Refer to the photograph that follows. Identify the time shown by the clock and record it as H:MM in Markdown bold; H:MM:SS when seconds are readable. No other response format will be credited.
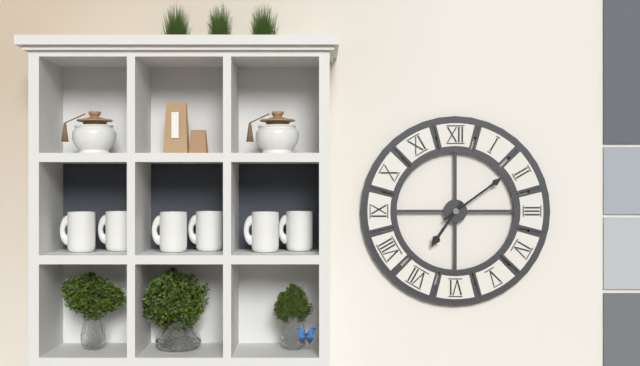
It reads **7:09**
